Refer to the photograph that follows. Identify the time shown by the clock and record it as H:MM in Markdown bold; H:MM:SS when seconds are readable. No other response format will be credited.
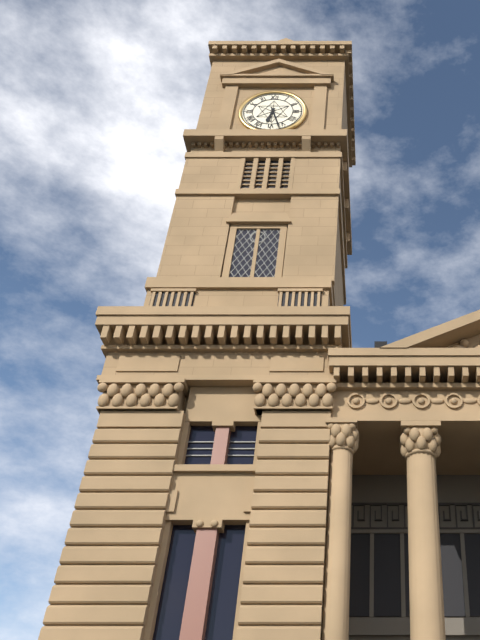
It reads **6:27**
